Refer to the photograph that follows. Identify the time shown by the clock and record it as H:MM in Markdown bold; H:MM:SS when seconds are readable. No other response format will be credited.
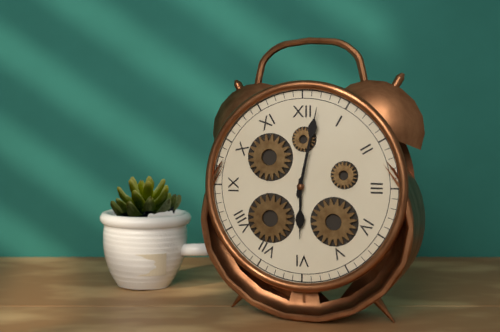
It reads **6:02**
